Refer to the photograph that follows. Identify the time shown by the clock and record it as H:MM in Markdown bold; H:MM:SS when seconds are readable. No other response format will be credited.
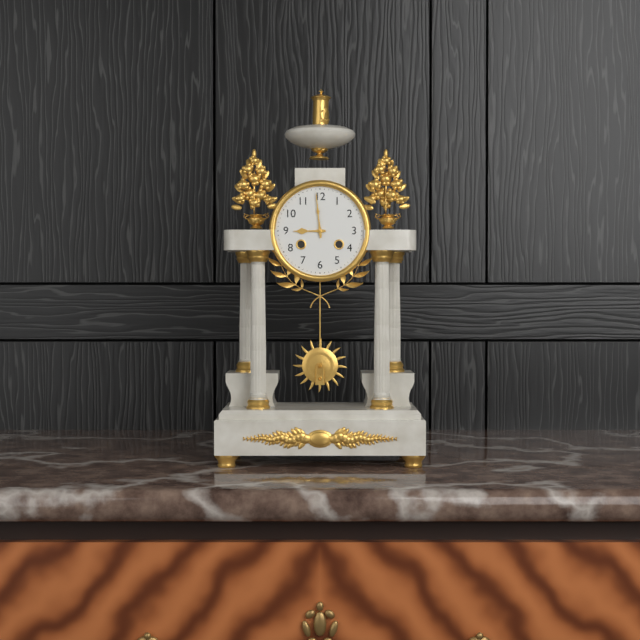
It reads **8:59**
